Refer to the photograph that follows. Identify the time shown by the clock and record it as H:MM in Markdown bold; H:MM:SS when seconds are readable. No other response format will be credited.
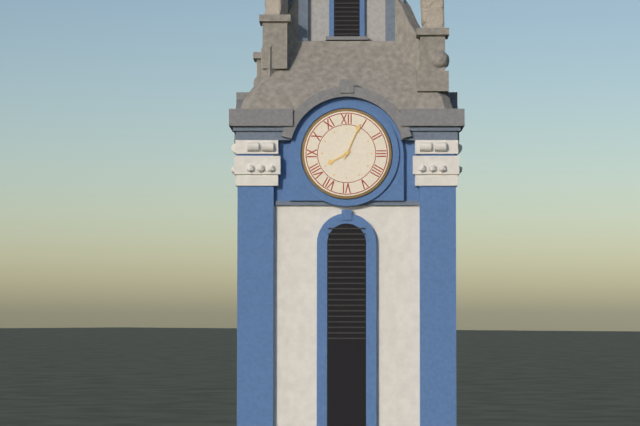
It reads **8:04**
